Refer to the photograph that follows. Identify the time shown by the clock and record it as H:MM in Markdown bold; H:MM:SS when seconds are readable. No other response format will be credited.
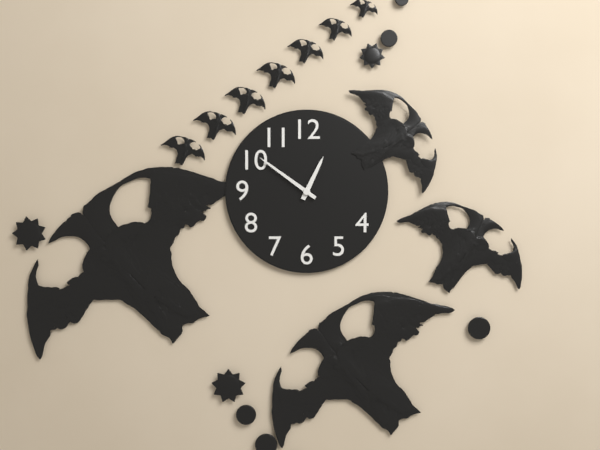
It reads **12:51**
